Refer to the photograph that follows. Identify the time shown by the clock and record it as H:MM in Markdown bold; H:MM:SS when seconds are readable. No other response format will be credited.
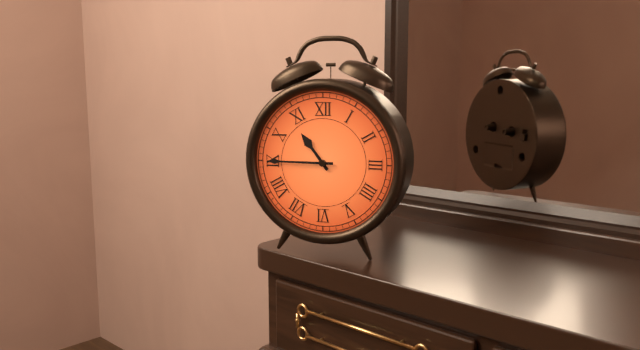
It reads **10:45**
